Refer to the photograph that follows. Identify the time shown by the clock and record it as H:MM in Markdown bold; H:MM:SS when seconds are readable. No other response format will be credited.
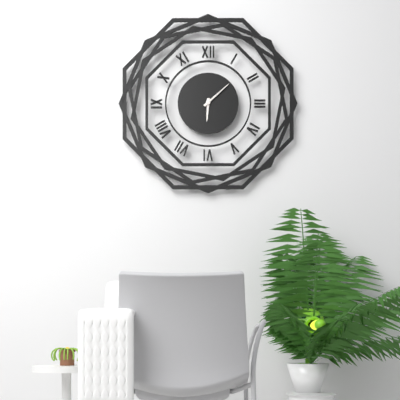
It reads **6:08**
